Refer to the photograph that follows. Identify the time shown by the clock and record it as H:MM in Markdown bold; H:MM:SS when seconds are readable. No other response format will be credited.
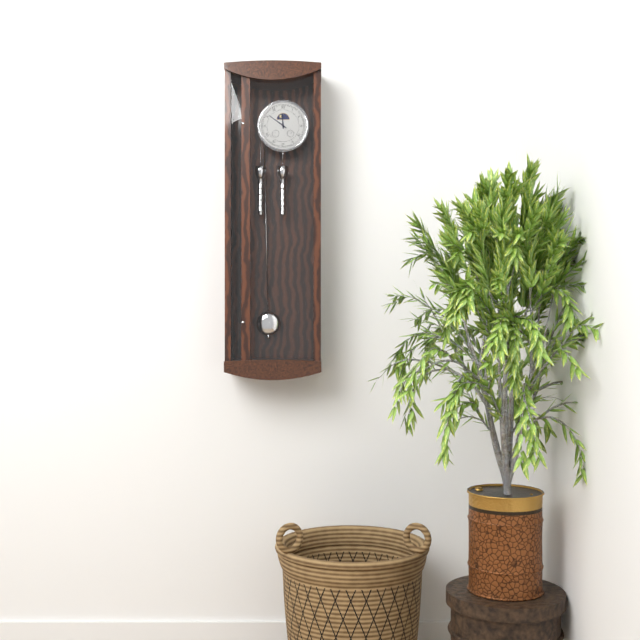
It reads **11:51**
